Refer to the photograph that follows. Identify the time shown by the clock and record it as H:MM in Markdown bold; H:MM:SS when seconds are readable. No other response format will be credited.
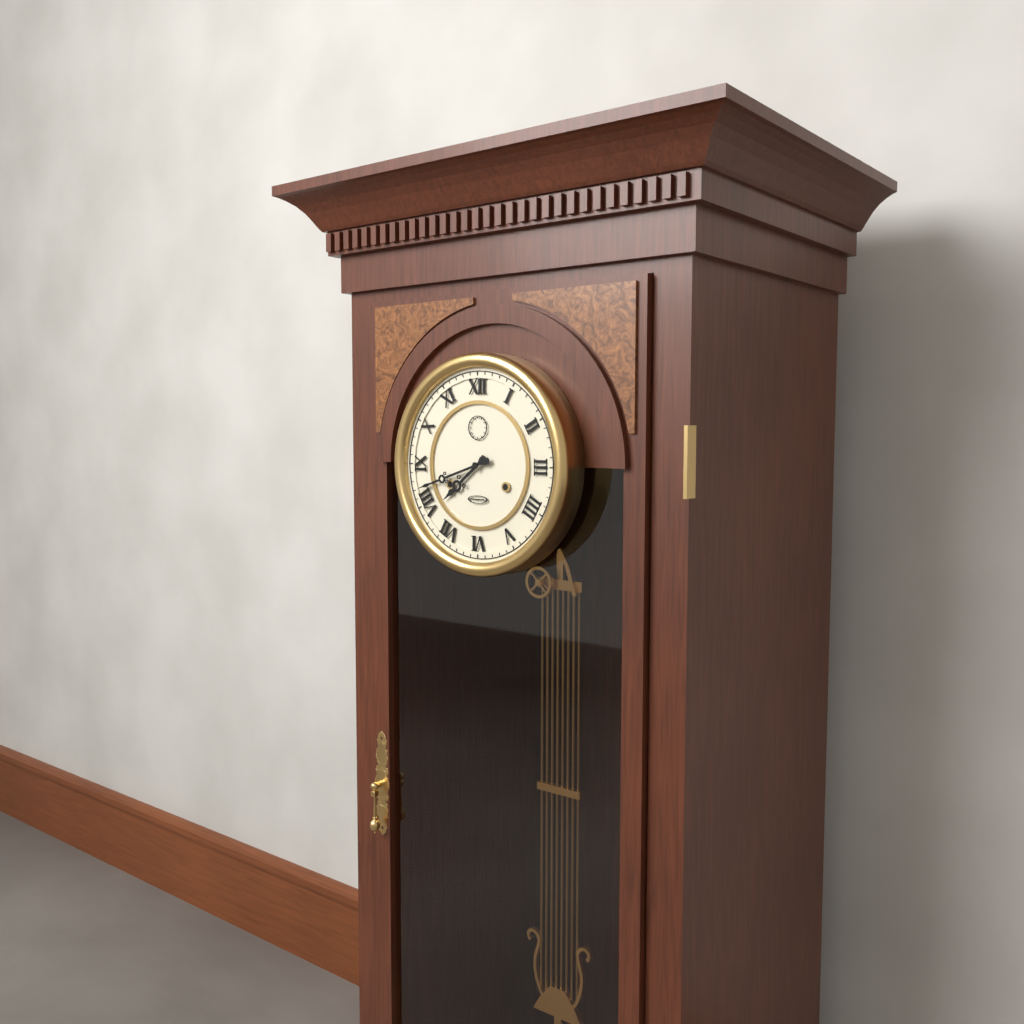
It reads **7:42**
